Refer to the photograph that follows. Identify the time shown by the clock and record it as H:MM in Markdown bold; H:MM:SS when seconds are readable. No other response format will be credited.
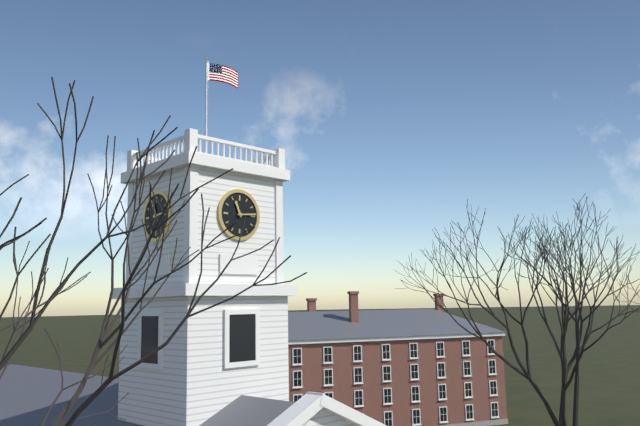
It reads **11:14**
